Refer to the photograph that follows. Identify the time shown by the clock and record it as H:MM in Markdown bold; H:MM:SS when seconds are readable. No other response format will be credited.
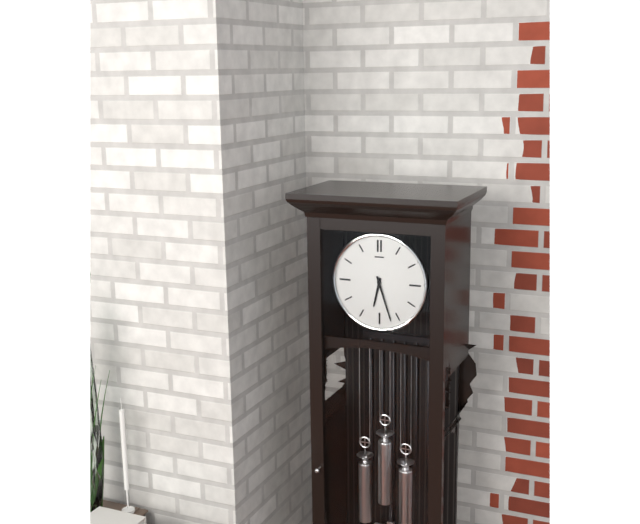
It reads **6:27**
